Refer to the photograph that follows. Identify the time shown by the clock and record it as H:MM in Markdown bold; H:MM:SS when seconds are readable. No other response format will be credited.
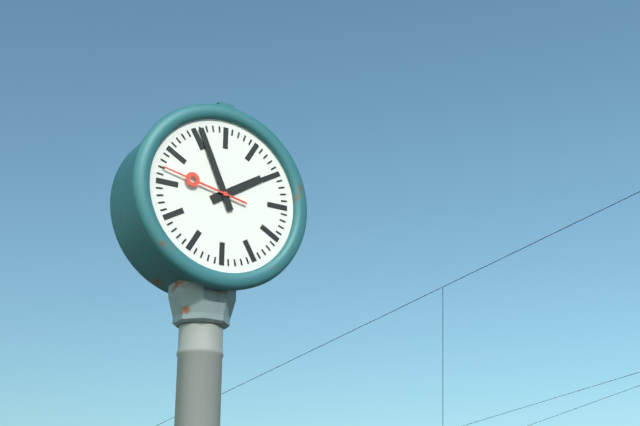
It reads **1:56:47**
